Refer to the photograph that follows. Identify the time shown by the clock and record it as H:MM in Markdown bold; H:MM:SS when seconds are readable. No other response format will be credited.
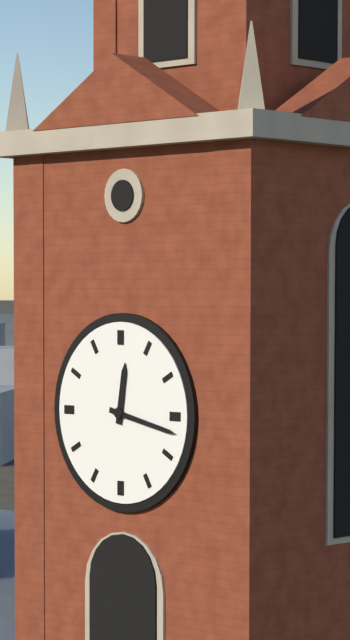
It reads **12:17**
